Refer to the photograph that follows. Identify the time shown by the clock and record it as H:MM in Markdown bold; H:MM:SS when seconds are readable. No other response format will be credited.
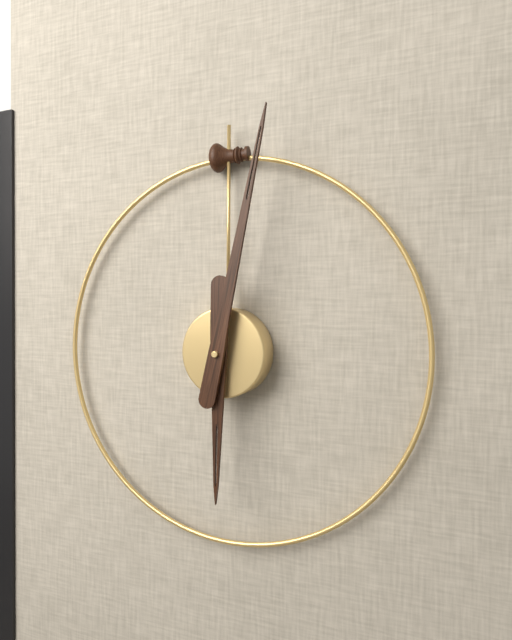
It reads **6:02**
